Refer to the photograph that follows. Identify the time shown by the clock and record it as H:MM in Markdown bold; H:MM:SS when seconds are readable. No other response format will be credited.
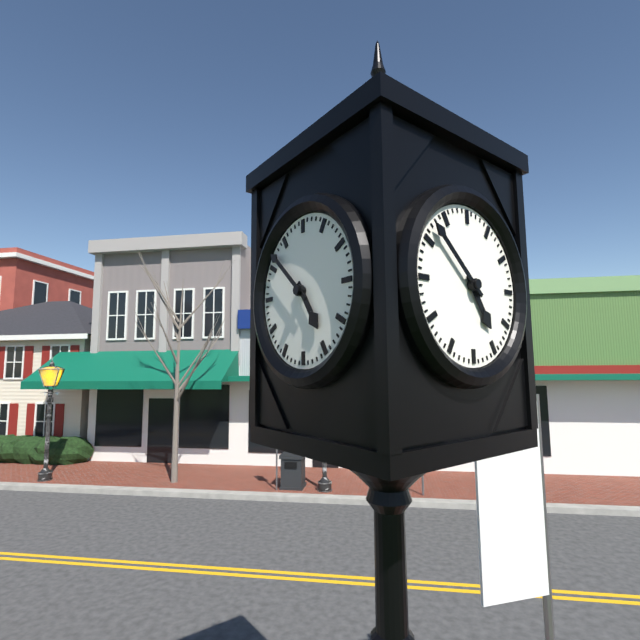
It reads **4:52**
